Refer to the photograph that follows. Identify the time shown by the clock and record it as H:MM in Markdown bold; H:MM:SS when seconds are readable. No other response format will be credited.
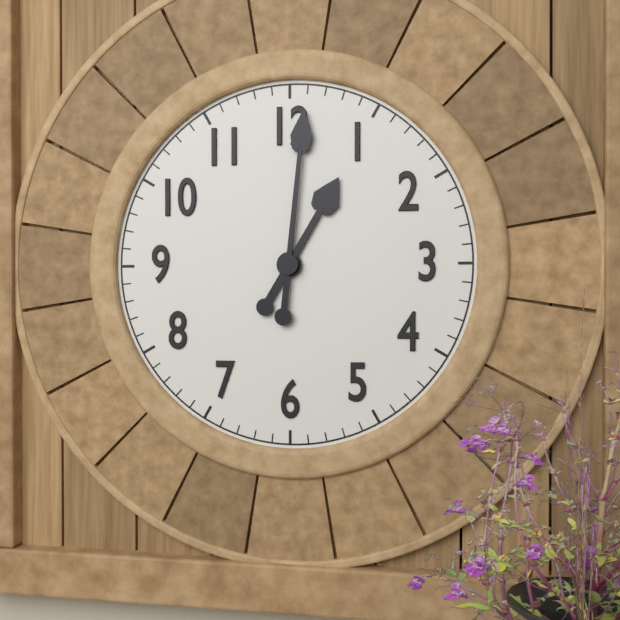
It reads **1:01**
